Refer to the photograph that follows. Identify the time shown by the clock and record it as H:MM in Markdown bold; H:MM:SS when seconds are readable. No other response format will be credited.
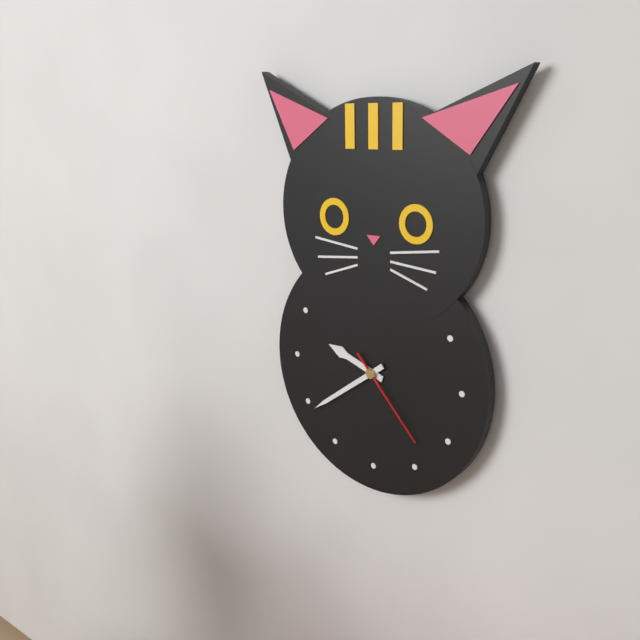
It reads **9:39:23**
